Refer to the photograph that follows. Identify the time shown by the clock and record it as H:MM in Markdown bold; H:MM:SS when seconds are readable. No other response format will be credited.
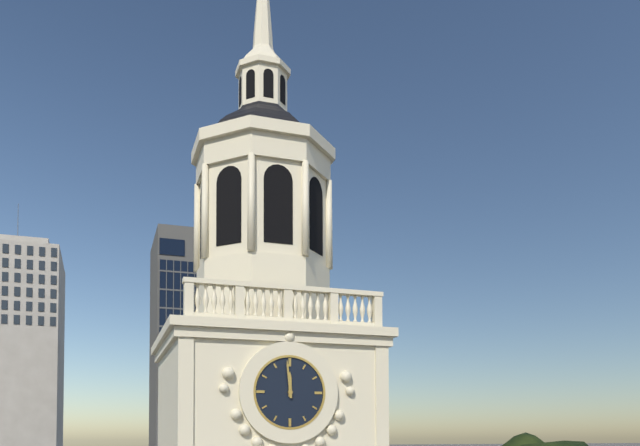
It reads **11:59**
